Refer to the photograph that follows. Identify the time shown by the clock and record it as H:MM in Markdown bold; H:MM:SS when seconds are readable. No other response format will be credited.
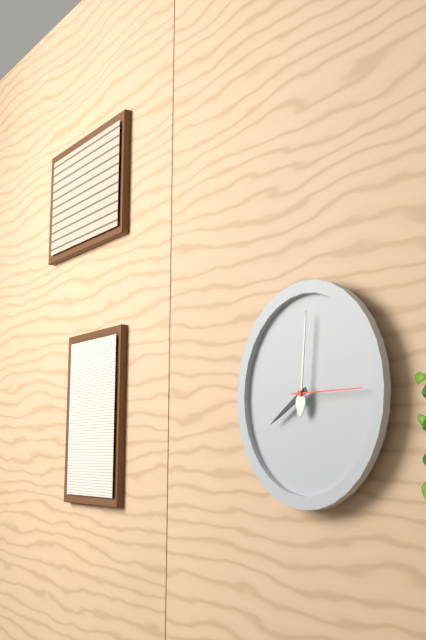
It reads **8:01:15**
